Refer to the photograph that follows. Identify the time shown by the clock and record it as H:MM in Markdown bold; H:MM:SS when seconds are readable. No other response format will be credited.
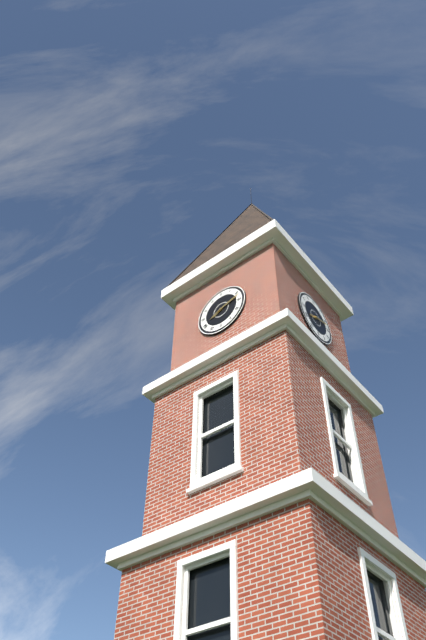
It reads **8:12**
